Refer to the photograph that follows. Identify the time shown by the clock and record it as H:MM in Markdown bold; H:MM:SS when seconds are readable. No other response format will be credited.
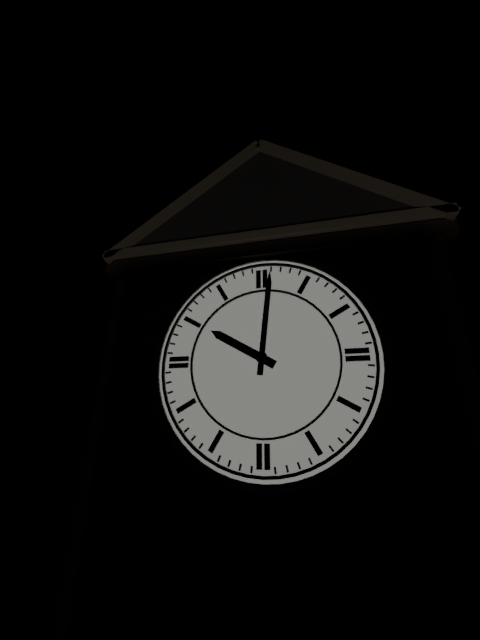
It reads **10:01**
